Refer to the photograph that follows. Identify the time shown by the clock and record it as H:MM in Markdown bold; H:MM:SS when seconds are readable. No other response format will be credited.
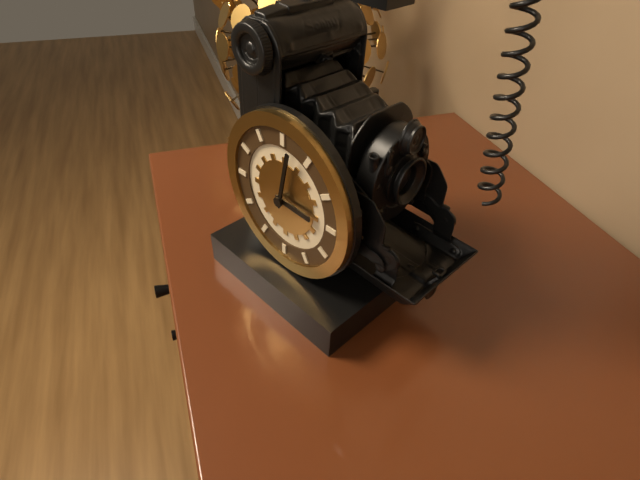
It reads **3:02**
